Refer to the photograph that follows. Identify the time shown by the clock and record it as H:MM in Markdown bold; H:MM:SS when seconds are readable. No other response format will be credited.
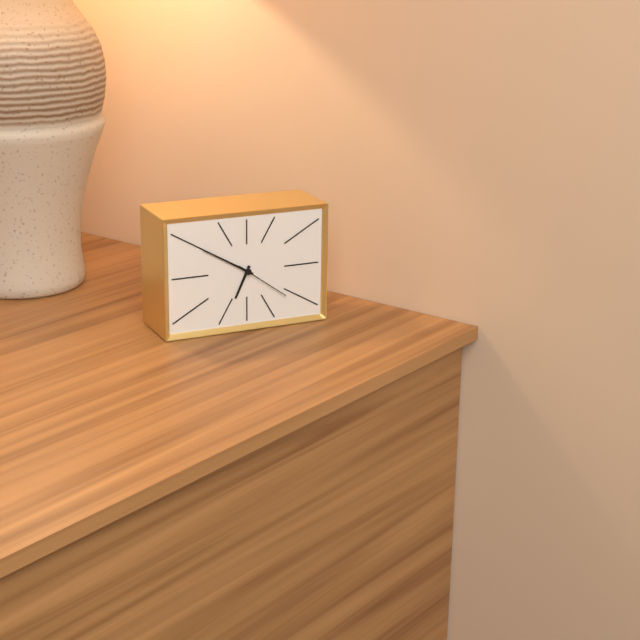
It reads **6:50:21**
